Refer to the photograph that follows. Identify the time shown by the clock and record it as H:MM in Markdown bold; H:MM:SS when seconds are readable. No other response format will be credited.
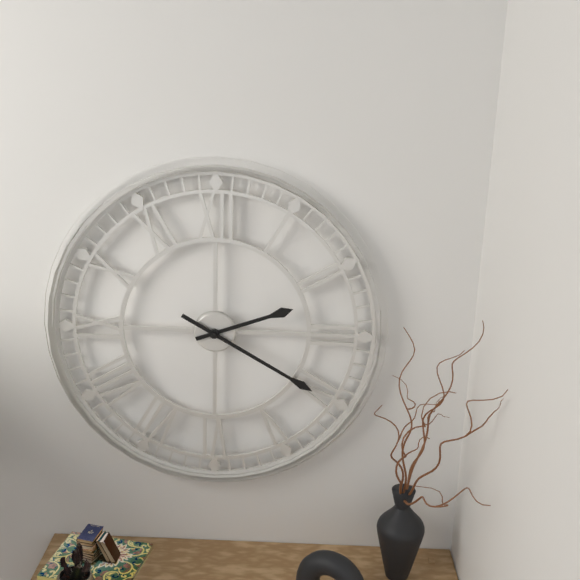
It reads **2:20**
